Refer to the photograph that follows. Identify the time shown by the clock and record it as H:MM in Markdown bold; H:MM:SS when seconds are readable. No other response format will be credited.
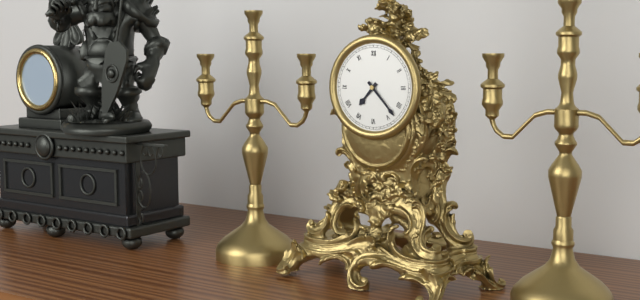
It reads **7:23**
